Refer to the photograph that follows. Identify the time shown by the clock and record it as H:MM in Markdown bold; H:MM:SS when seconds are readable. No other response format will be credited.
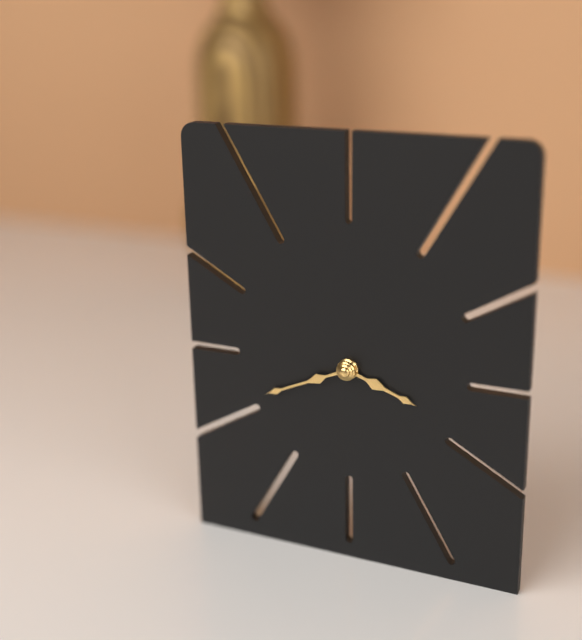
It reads **3:41**
